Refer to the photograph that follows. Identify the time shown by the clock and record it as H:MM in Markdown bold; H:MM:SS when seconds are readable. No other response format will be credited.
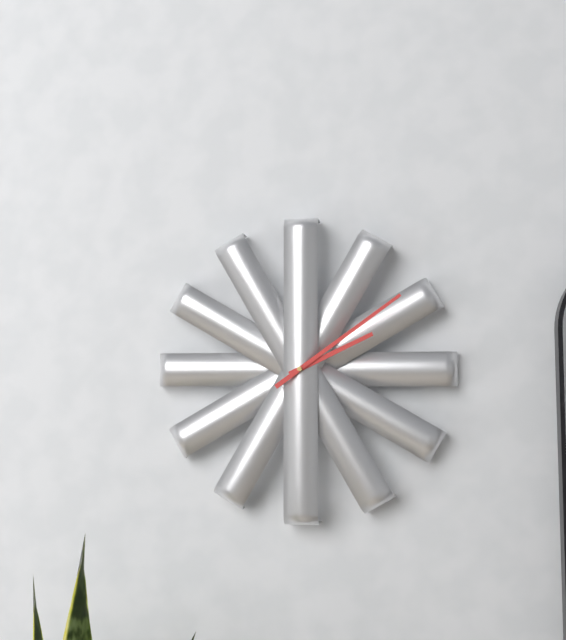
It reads **2:09**
